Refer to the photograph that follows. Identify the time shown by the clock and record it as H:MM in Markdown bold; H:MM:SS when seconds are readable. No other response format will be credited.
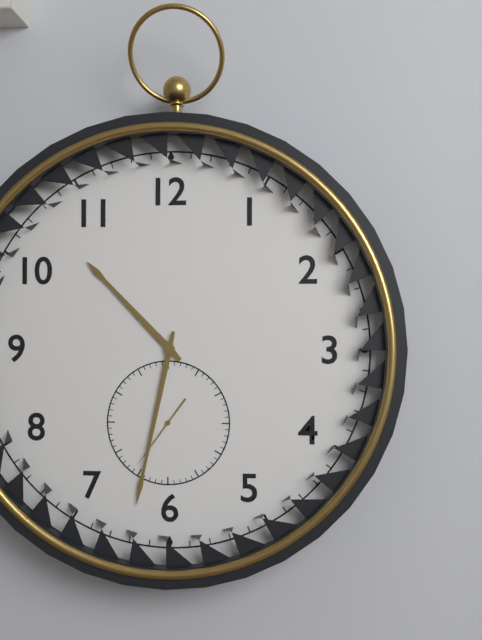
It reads **10:32:36**
